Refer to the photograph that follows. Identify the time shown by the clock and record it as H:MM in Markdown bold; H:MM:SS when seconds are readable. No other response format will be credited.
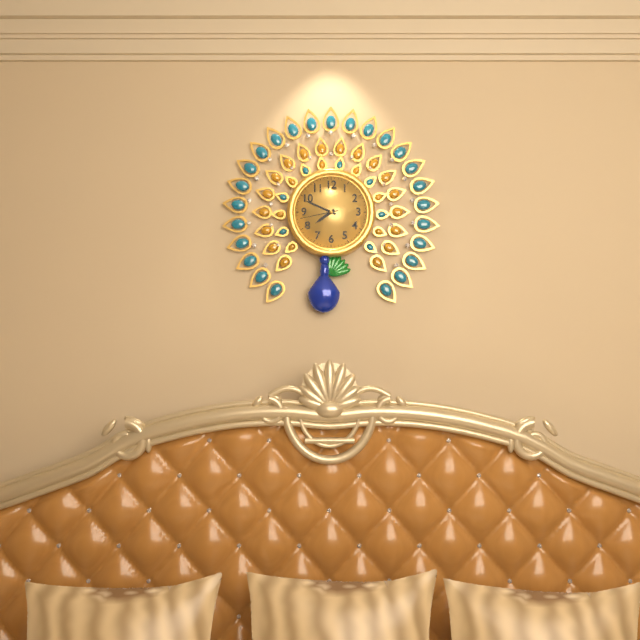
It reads **7:49**
